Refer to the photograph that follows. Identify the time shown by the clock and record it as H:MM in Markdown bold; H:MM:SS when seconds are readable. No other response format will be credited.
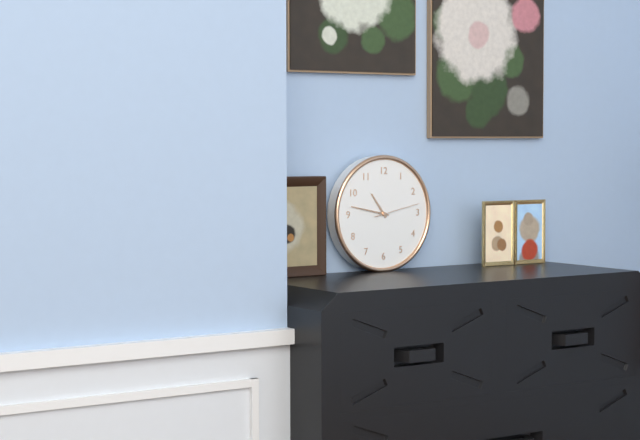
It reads **10:47**
